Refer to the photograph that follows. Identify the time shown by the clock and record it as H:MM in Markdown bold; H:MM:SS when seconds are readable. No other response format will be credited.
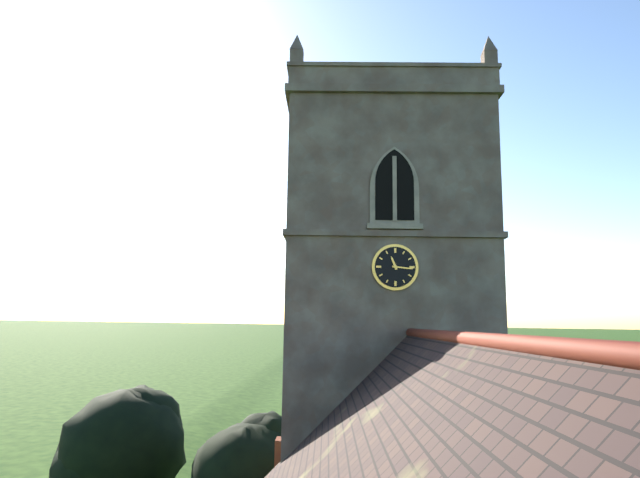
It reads **11:16**
